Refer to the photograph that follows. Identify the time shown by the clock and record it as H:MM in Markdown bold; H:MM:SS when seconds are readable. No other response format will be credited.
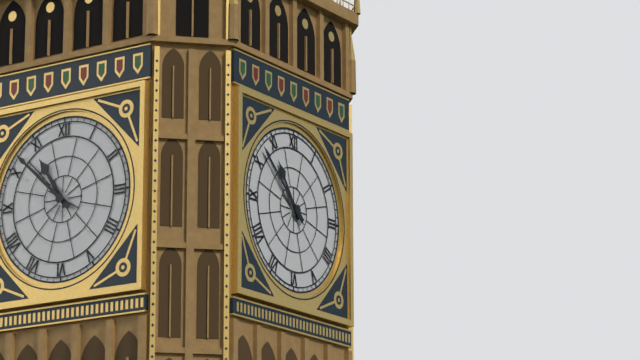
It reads **10:52**
